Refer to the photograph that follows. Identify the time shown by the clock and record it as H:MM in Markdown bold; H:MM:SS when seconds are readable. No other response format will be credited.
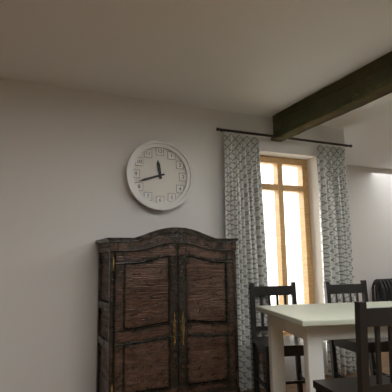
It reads **11:42**
